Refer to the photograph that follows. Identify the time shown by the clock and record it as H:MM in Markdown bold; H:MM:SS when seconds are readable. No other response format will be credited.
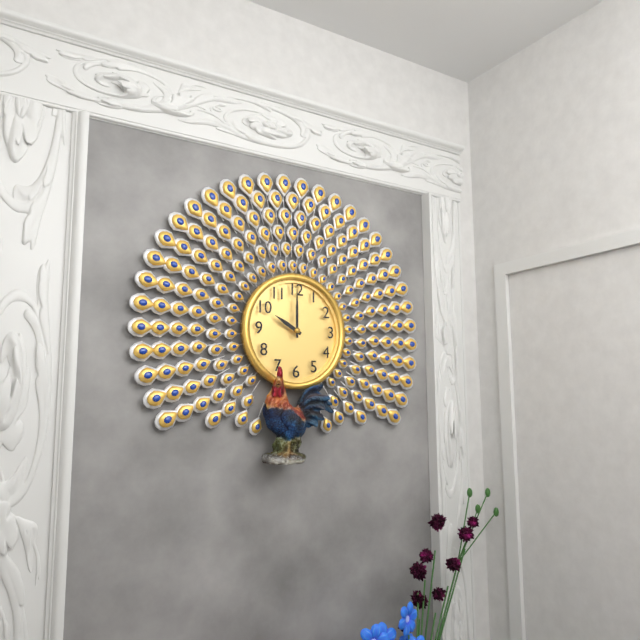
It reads **10:00**
